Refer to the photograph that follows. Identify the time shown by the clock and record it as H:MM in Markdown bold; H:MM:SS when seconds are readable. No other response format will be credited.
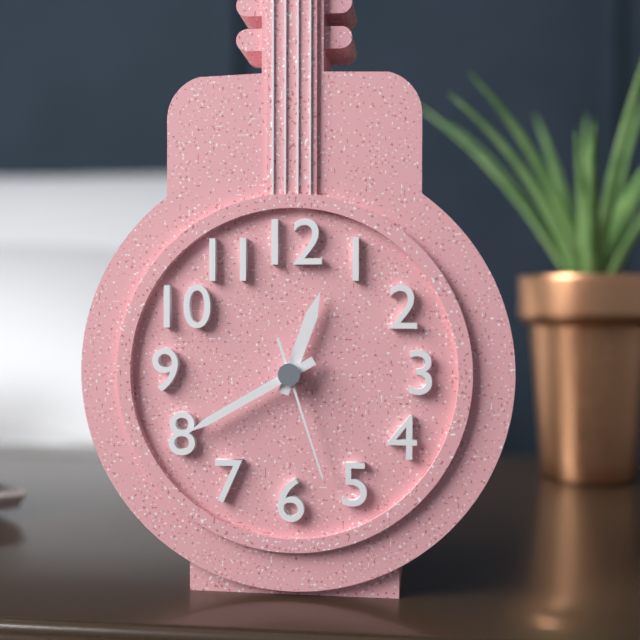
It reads **12:40:27**
